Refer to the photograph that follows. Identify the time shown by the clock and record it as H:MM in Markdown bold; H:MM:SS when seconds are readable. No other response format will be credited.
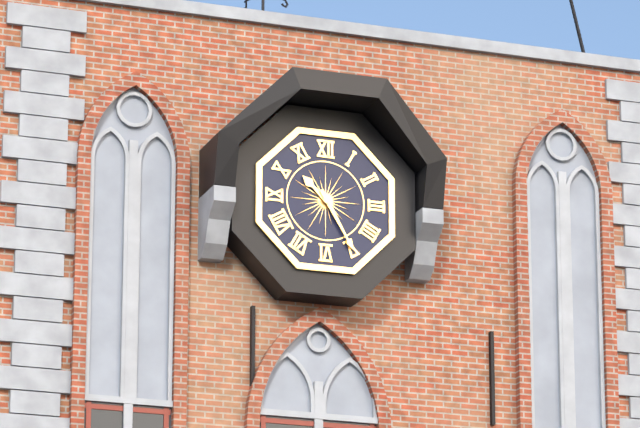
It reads **10:25**
